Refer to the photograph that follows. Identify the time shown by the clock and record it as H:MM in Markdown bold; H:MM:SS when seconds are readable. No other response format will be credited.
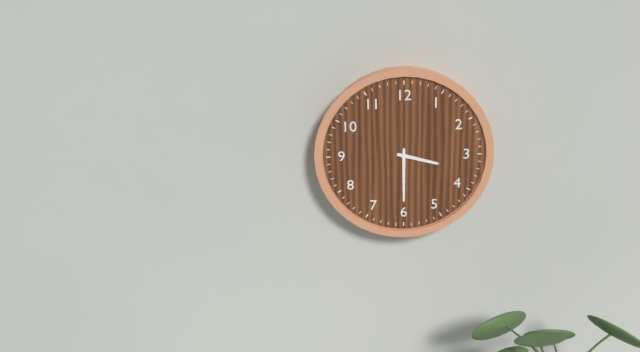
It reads **3:30**
